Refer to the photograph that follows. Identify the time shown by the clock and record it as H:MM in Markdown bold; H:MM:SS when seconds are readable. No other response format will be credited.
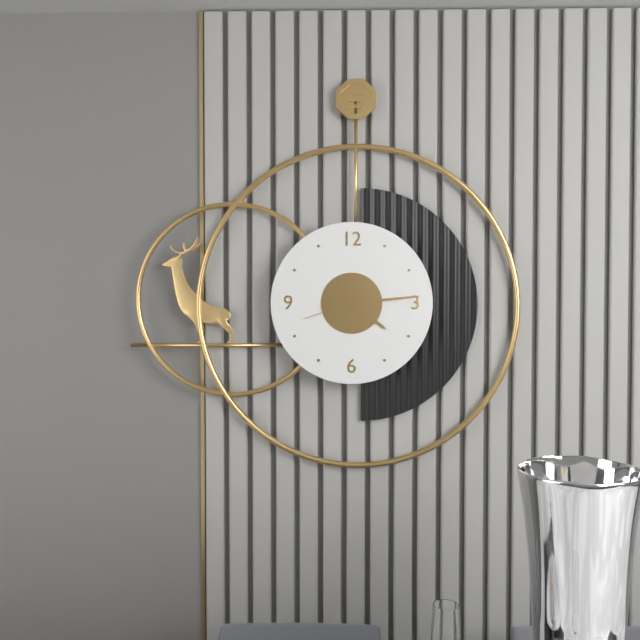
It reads **4:14:42**
